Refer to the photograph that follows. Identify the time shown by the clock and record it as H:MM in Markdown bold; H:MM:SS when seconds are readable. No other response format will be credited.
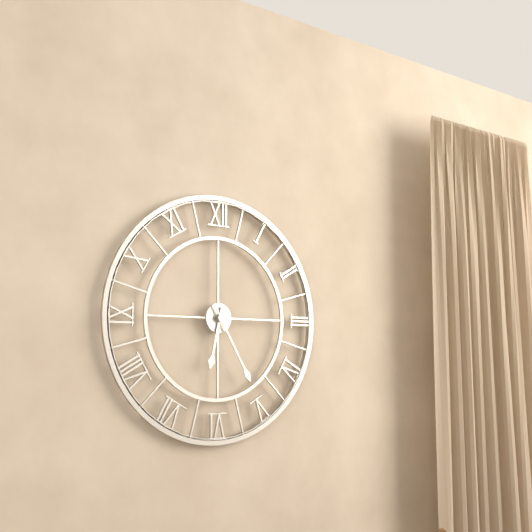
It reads **6:25**
